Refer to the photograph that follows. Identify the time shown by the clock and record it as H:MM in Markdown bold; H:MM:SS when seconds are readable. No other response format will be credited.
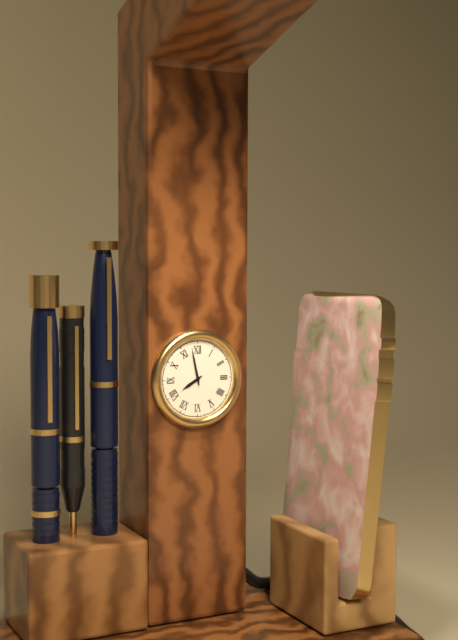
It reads **7:58**
